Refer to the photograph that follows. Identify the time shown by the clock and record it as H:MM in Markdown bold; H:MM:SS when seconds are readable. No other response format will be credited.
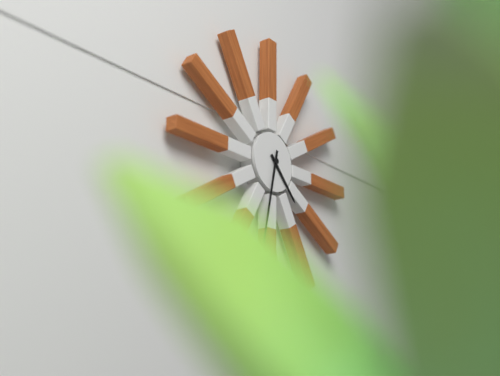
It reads **4:32**
